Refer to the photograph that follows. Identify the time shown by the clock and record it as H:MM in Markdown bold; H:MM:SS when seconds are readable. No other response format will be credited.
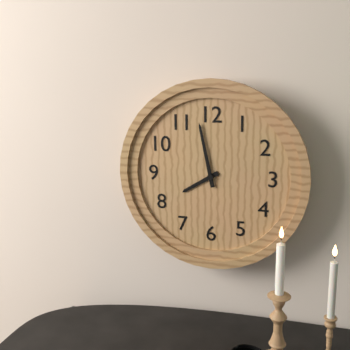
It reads **7:58**
